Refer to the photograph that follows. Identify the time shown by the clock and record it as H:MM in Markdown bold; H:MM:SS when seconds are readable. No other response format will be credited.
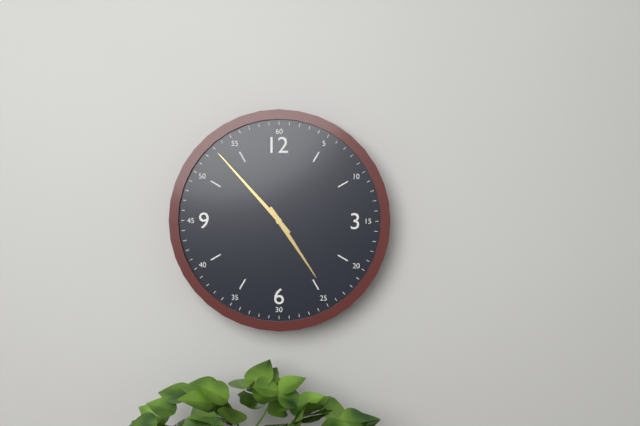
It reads **4:53**
